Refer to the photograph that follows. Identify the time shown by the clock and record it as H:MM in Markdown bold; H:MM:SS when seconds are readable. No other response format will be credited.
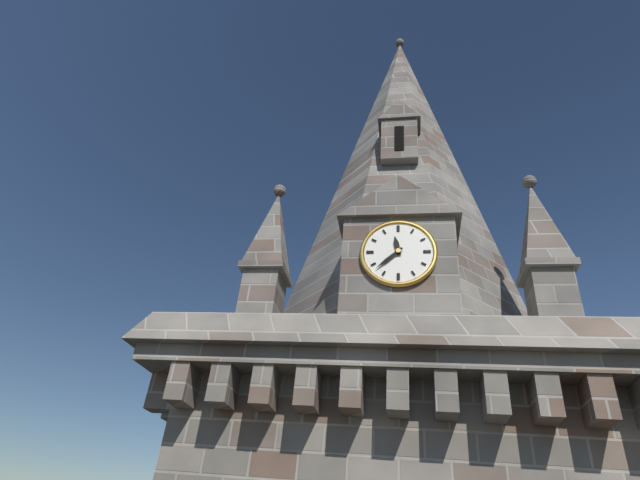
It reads **11:38**
